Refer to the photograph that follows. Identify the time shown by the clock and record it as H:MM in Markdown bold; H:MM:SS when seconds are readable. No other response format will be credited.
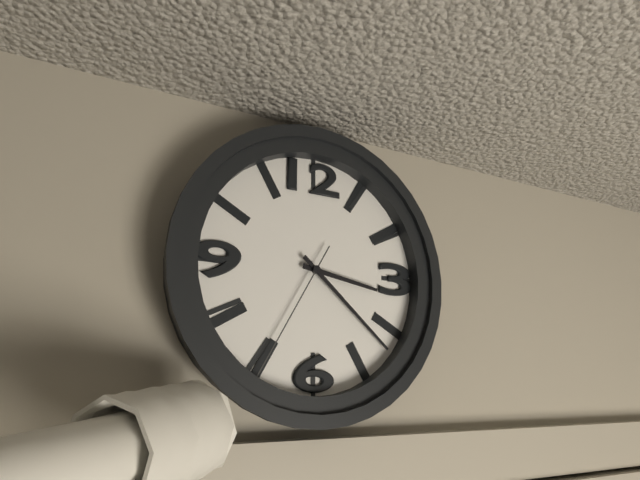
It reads **3:22:35**
